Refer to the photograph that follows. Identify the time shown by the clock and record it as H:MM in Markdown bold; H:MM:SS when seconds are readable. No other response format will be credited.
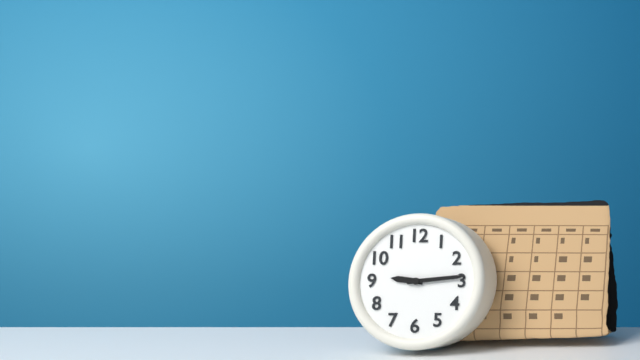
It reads **9:14**
